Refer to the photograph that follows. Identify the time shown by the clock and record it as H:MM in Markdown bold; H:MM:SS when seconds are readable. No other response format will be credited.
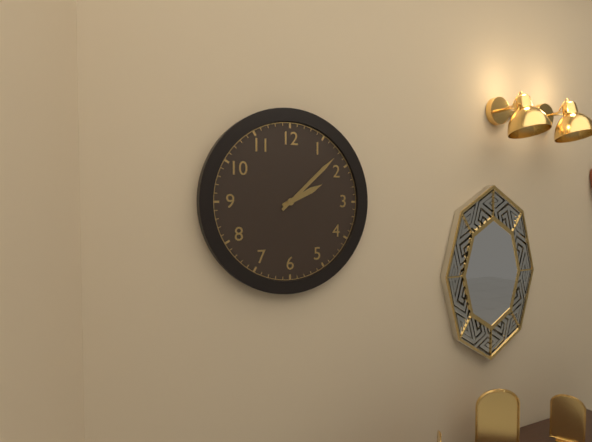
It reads **2:08**
